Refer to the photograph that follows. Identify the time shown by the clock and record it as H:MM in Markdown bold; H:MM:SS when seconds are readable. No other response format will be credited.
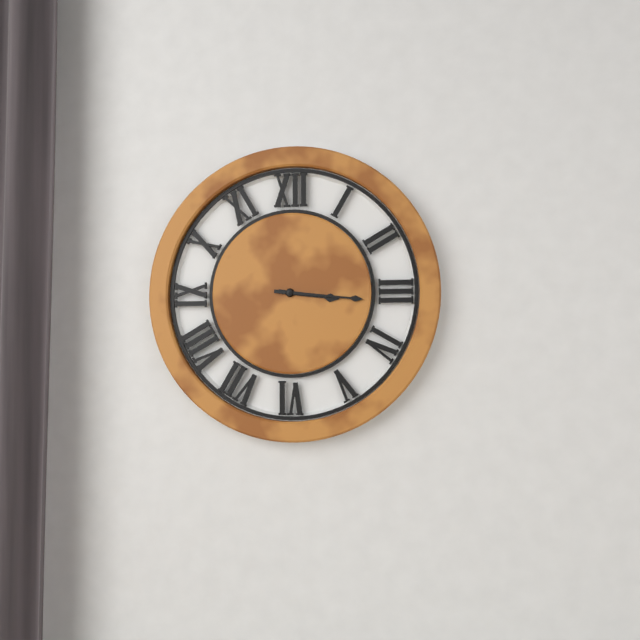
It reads **3:16**
